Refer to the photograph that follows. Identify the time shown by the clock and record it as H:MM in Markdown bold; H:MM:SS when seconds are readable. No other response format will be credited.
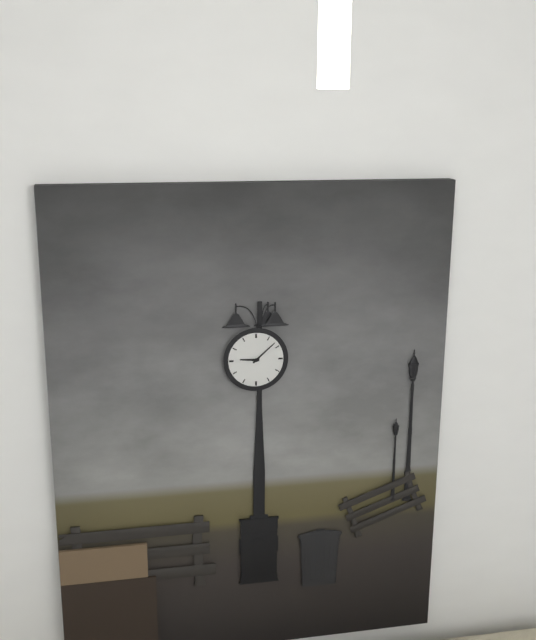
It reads **9:08**
